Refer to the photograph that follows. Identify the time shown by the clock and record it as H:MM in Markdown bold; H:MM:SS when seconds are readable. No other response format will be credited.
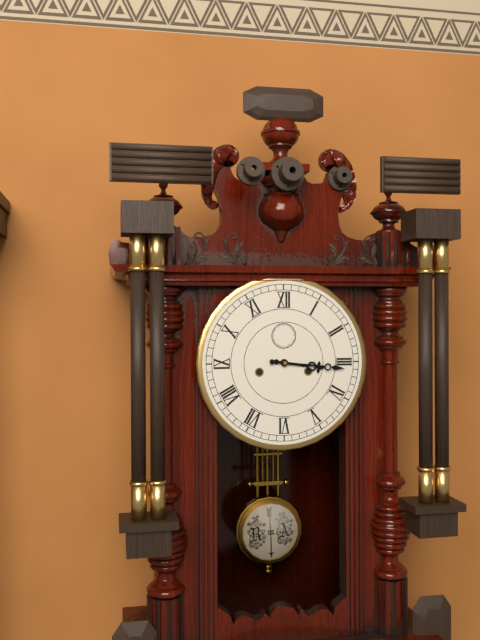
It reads **3:16**
